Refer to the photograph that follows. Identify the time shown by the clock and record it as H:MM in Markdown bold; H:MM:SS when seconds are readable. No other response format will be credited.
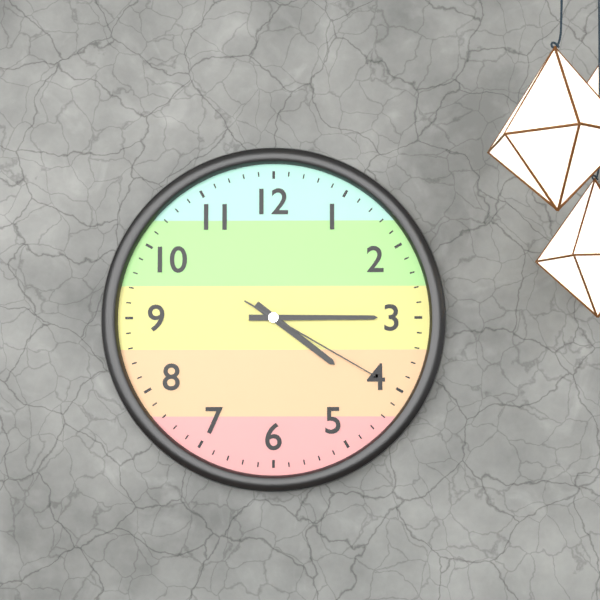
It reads **4:15:20**
